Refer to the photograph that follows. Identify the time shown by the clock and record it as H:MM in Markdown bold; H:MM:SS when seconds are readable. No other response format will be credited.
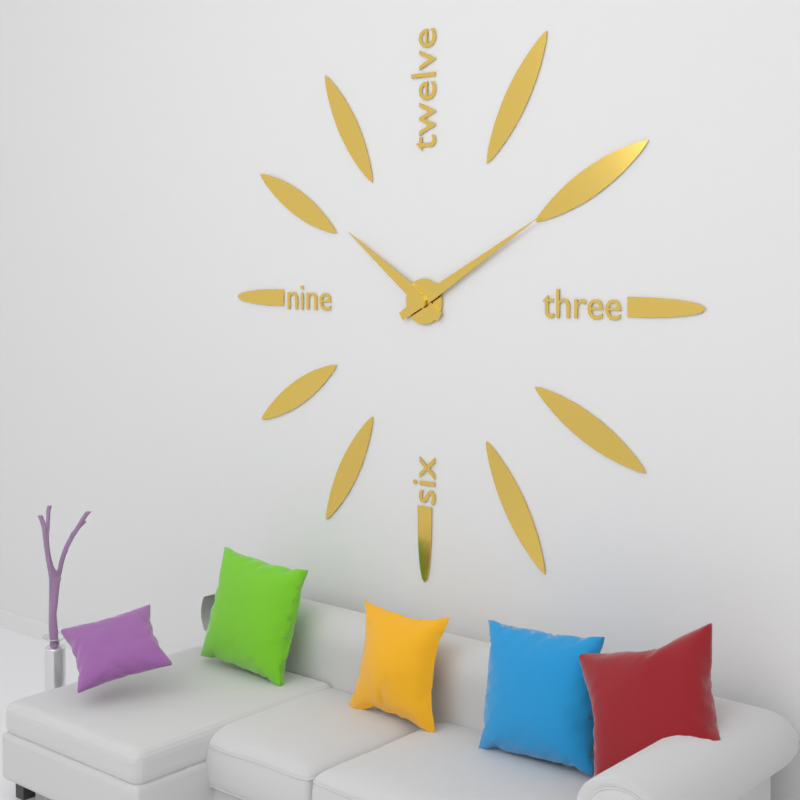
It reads **10:10**
